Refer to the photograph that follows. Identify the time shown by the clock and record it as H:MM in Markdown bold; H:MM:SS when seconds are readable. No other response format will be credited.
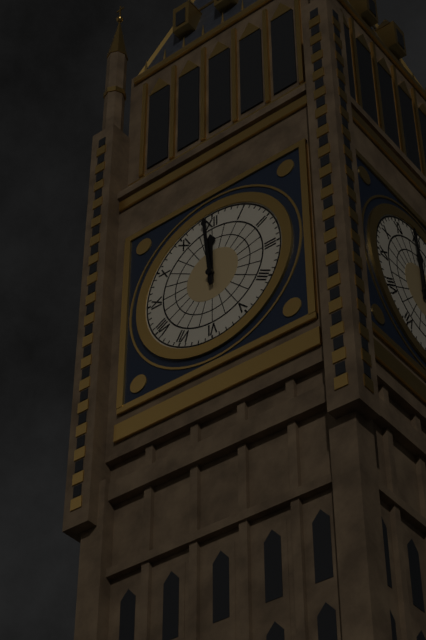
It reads **11:59**
